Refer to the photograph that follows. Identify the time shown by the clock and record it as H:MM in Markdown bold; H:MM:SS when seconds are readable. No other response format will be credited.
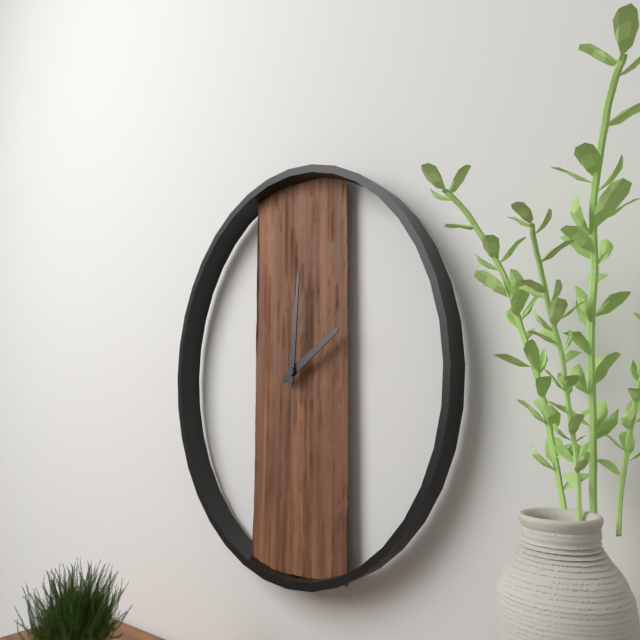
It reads **2:01**
